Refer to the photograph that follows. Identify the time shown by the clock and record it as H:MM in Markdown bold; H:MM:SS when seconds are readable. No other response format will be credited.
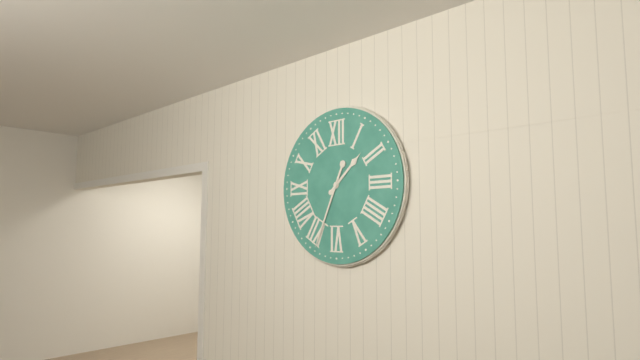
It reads **1:34**
